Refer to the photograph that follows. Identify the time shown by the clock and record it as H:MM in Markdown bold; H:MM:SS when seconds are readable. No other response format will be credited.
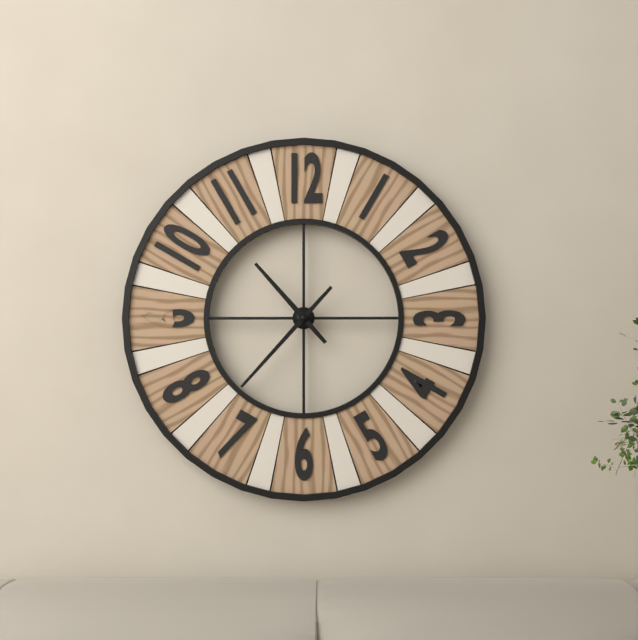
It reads **10:37**
